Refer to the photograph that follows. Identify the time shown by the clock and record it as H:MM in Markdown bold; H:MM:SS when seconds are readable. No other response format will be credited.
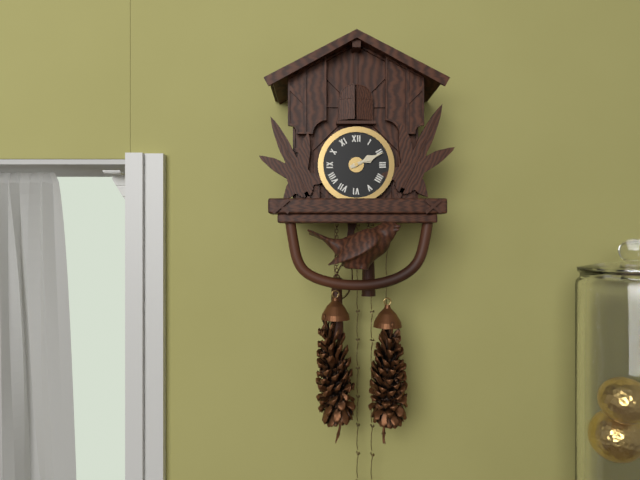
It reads **2:11**
